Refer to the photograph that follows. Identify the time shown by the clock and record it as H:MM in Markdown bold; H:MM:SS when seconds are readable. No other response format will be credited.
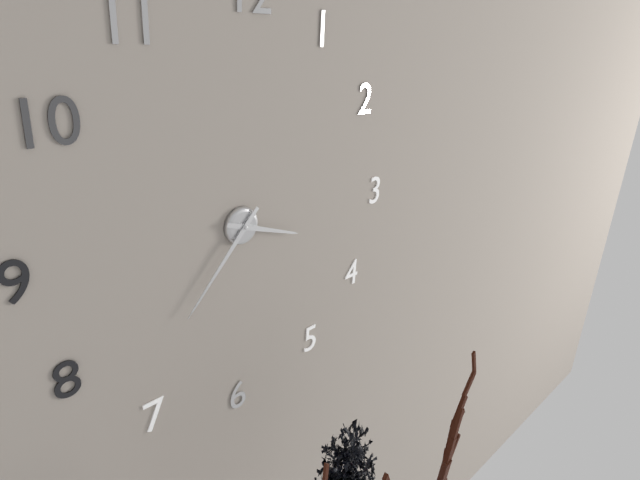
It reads **3:37**
